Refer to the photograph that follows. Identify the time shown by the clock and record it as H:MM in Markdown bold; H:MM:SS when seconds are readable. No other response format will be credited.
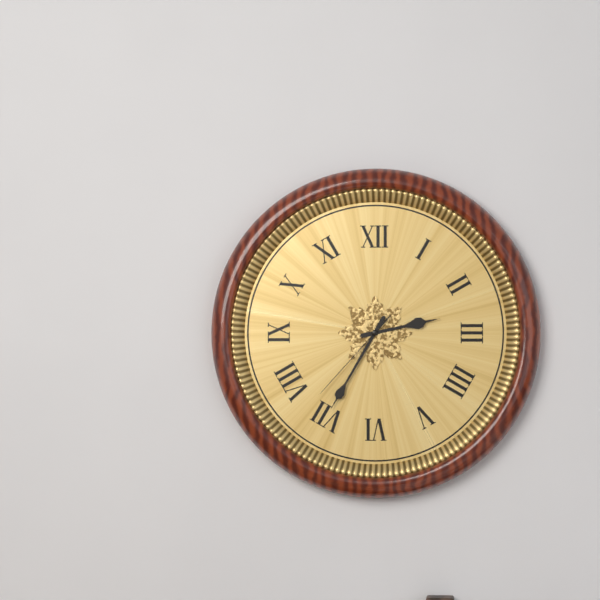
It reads **2:35:37**
